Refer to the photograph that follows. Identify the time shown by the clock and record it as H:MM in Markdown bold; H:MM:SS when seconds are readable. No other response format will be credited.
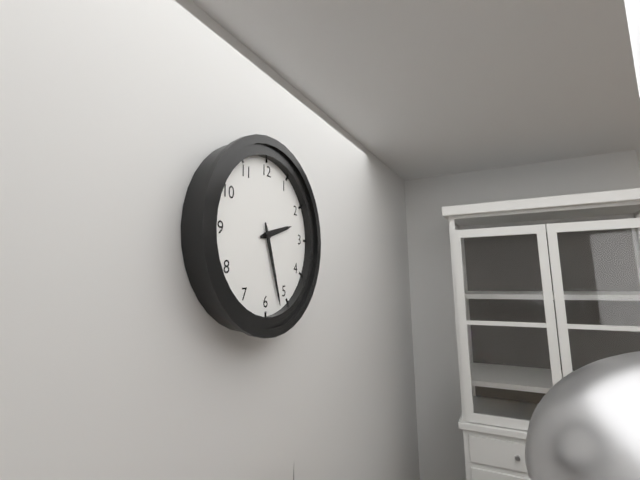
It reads **2:27**
